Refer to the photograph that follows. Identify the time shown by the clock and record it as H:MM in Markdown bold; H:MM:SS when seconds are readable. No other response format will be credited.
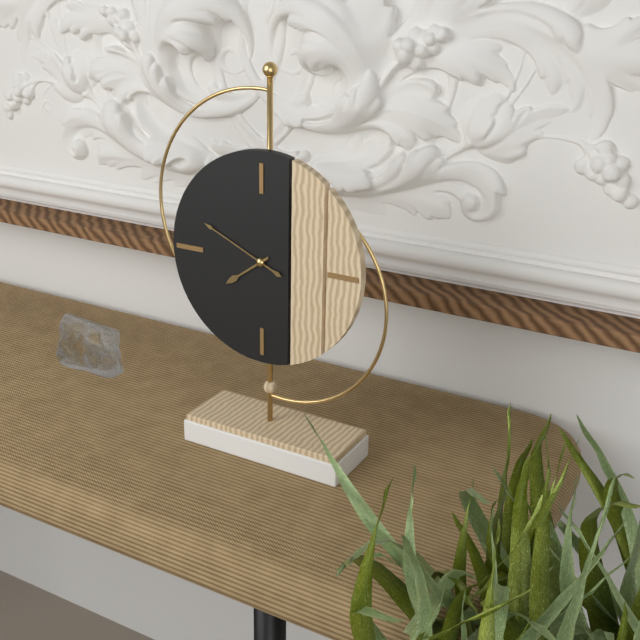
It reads **7:49**
